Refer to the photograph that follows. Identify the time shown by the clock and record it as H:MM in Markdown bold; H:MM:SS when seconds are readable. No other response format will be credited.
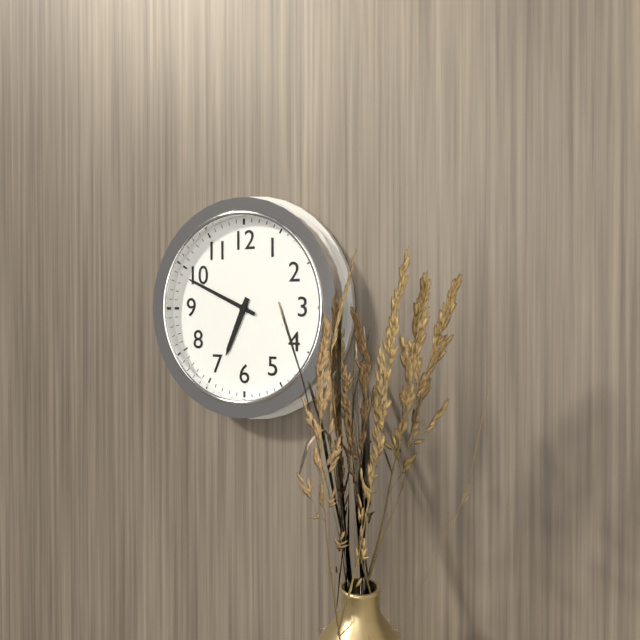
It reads **6:49**
